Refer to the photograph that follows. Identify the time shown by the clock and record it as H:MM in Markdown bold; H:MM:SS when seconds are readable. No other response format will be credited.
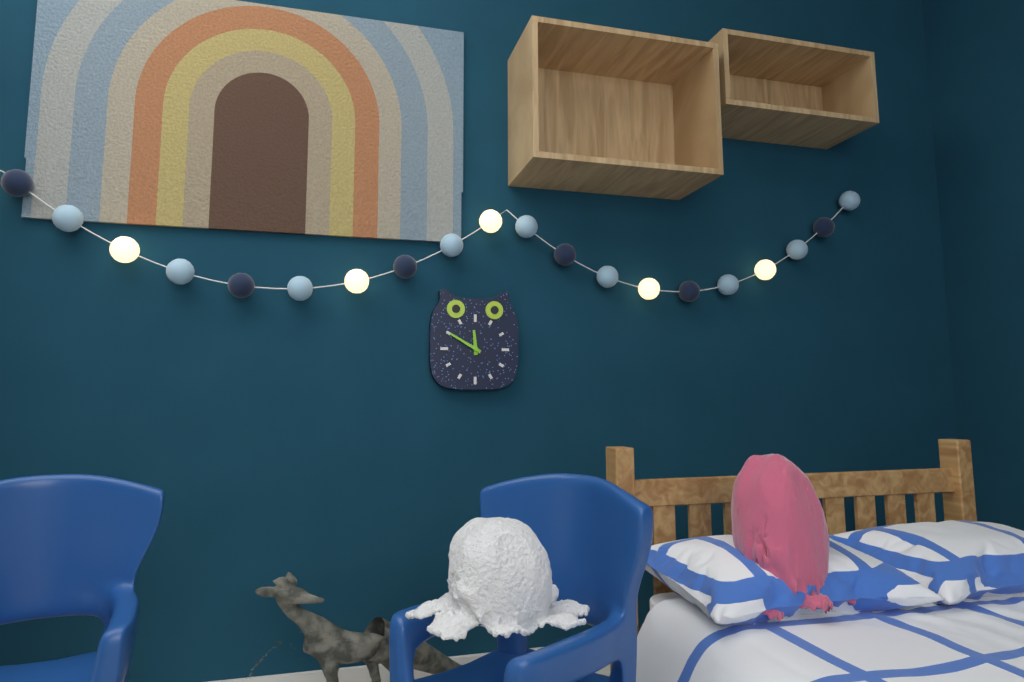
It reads **11:50**
